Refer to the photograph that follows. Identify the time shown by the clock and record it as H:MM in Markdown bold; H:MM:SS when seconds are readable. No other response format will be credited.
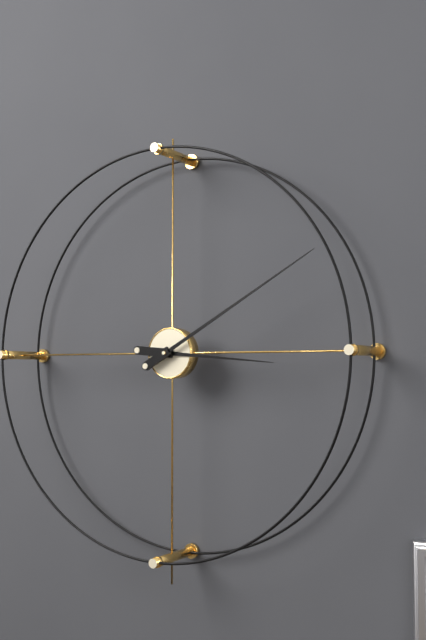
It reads **3:10**
